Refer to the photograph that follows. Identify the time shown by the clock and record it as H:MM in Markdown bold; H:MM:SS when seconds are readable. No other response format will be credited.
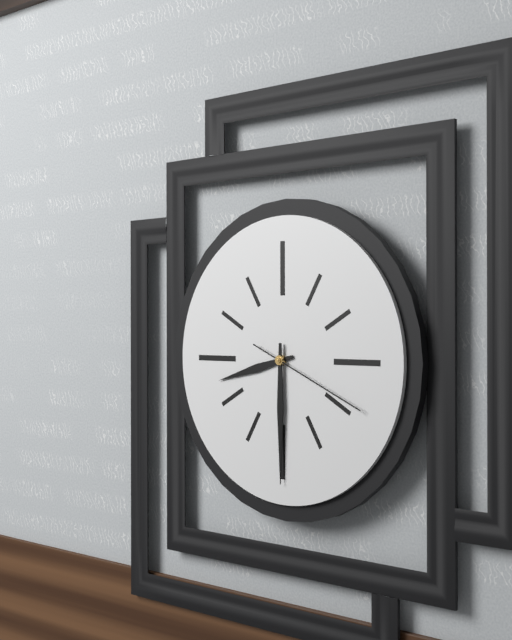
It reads **8:30:19**
